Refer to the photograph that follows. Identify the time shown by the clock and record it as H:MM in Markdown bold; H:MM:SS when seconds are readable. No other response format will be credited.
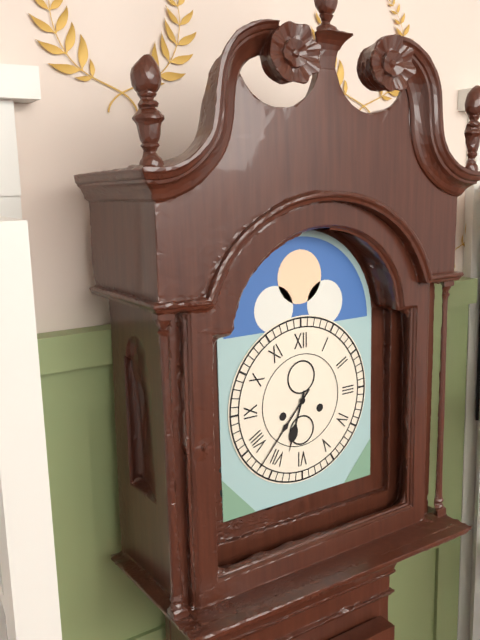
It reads **6:37**
